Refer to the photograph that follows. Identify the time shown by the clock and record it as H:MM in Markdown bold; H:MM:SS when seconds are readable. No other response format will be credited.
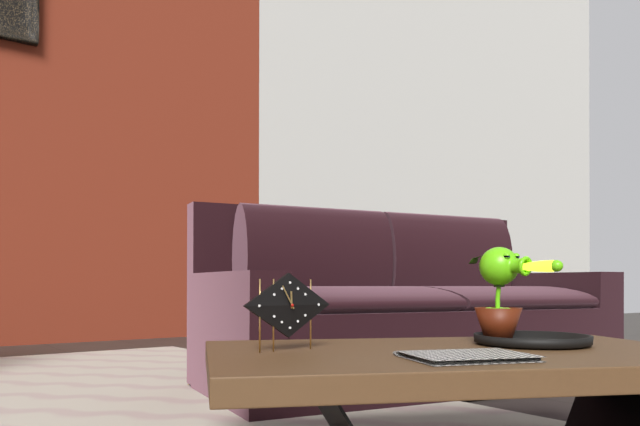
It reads **11:55**
